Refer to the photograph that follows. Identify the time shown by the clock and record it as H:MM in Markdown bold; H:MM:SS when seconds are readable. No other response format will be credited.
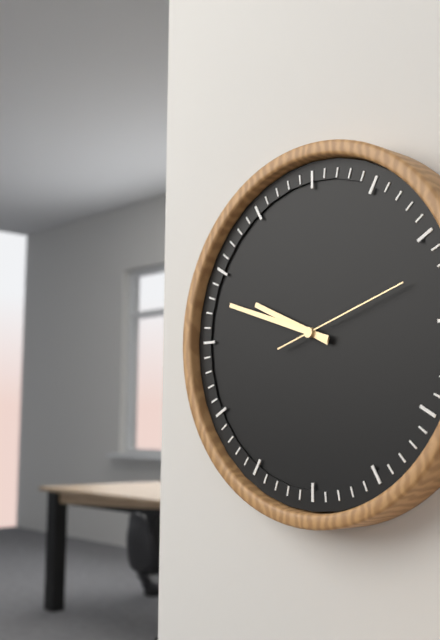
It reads **9:48:12**
